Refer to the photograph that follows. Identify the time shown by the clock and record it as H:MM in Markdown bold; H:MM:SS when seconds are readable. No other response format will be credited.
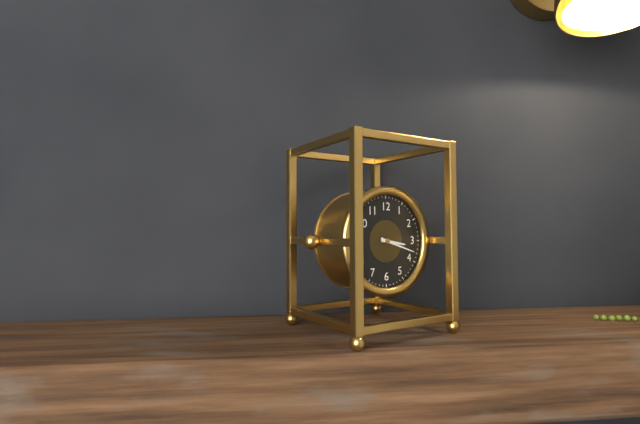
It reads **3:18**
